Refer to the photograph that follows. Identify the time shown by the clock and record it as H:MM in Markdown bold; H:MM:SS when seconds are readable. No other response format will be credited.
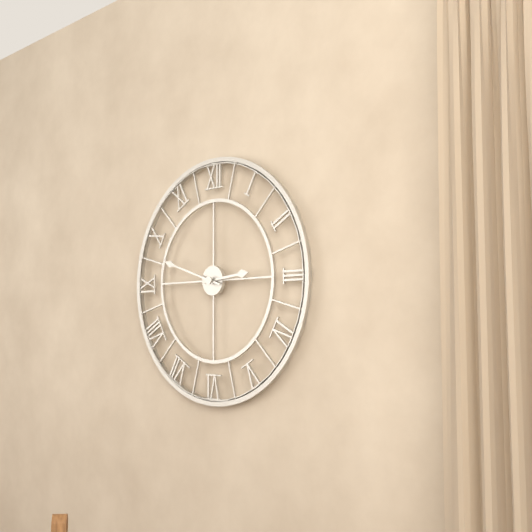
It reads **2:48**
